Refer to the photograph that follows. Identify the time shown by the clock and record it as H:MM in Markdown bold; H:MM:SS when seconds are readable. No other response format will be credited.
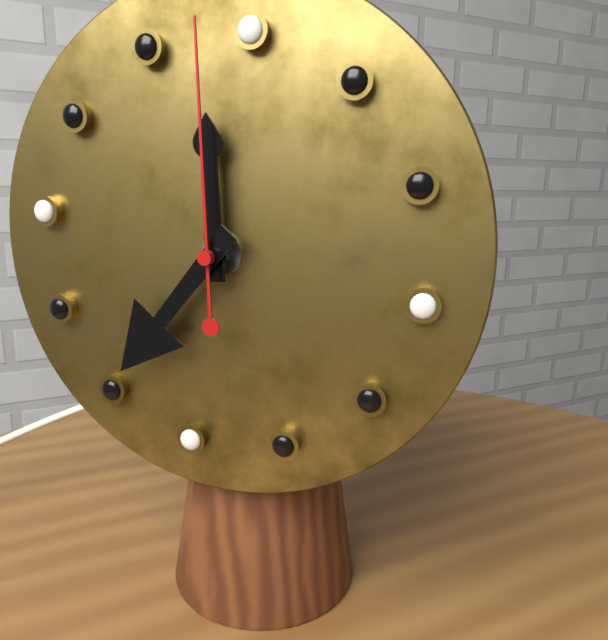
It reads **11:35:58**
